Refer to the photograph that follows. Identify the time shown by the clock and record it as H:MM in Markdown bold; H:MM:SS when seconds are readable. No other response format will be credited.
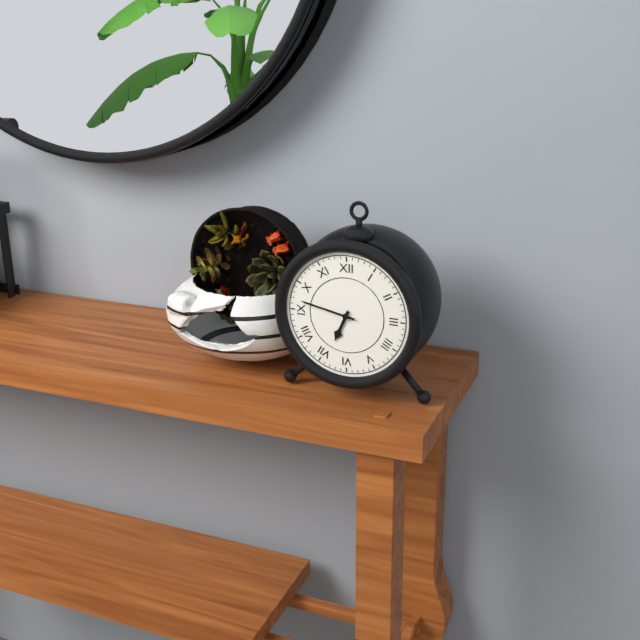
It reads **6:47**
